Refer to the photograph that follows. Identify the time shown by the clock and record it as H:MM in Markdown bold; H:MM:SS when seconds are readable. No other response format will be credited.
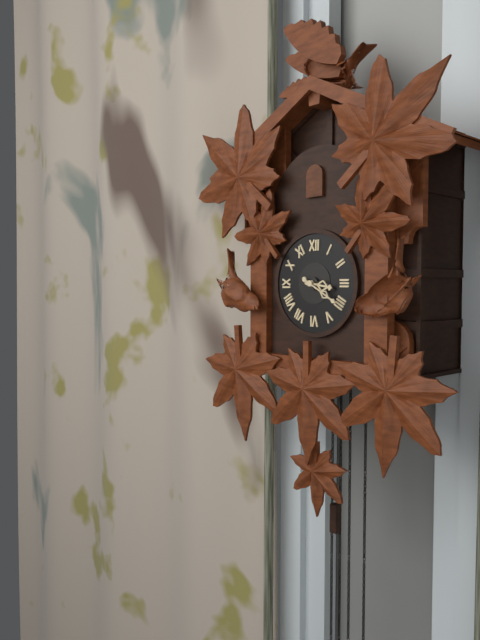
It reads **3:20**
